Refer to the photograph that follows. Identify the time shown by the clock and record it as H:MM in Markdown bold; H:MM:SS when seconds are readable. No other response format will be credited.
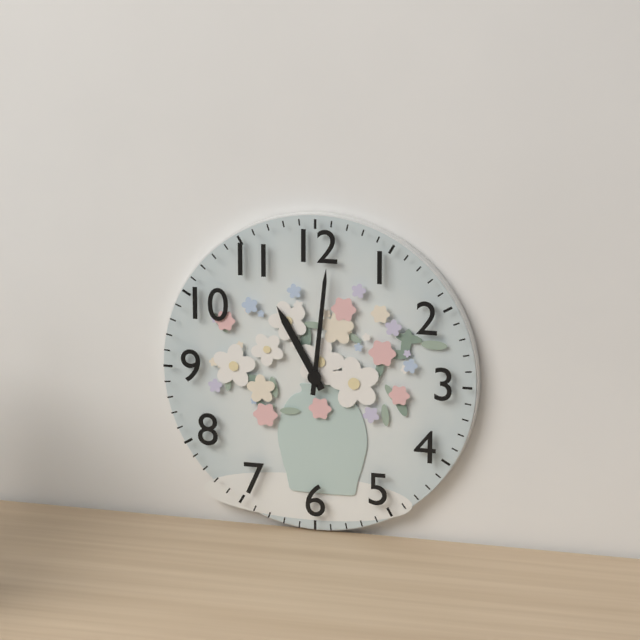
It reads **11:01**
